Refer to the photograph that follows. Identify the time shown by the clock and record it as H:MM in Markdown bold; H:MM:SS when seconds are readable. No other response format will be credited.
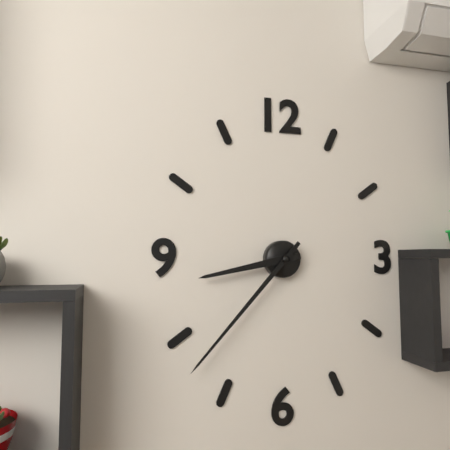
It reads **8:37**
